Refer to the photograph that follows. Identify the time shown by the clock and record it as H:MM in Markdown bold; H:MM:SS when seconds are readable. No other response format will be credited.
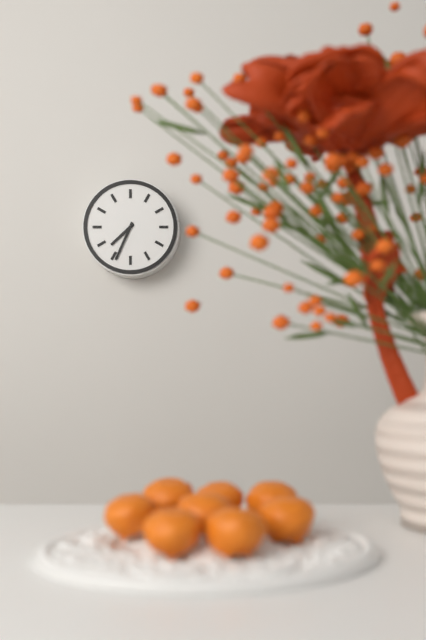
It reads **7:34**
